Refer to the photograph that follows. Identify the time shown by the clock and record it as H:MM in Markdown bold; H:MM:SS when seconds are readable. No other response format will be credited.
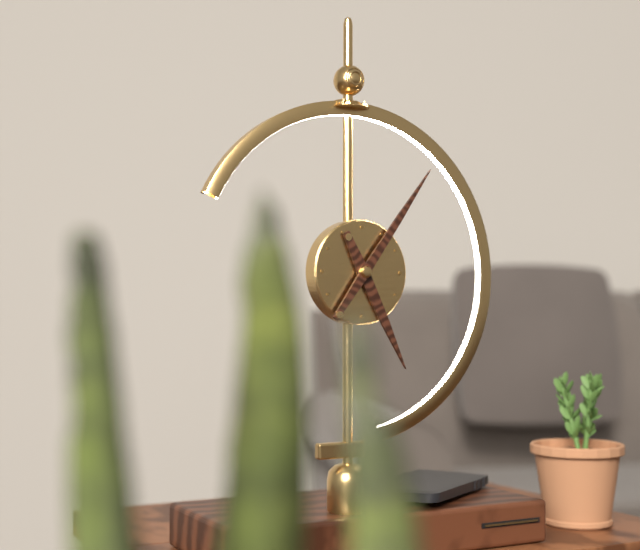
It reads **5:06**
